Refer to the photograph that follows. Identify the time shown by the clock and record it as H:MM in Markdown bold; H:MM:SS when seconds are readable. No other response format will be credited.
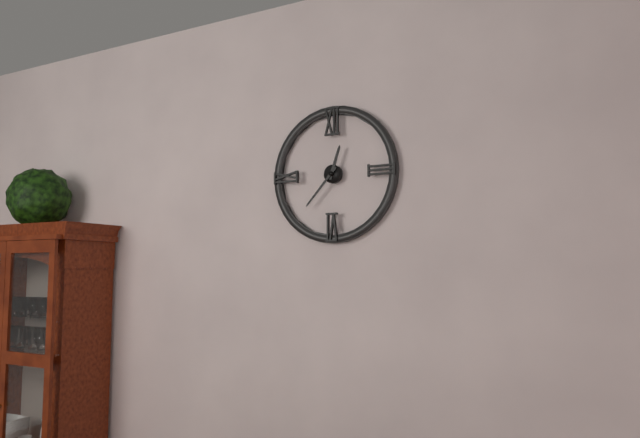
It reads **12:37**
